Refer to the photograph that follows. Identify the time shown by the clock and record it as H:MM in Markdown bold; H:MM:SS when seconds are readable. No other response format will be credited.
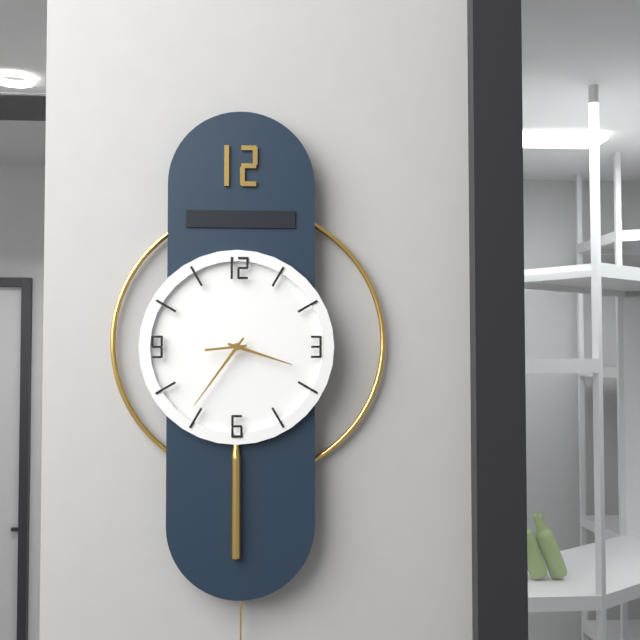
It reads **3:36**
